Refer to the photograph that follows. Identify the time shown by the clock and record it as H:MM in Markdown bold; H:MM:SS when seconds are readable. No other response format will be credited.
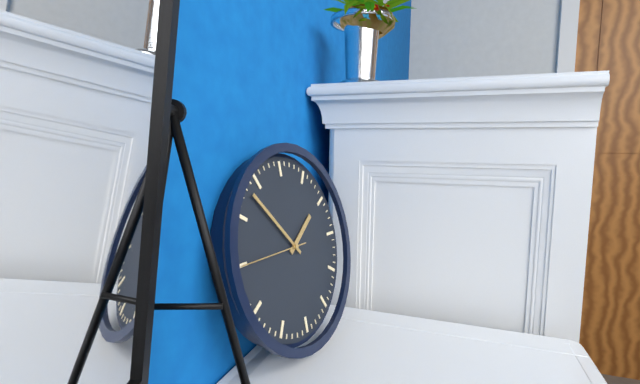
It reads **1:53:45**
